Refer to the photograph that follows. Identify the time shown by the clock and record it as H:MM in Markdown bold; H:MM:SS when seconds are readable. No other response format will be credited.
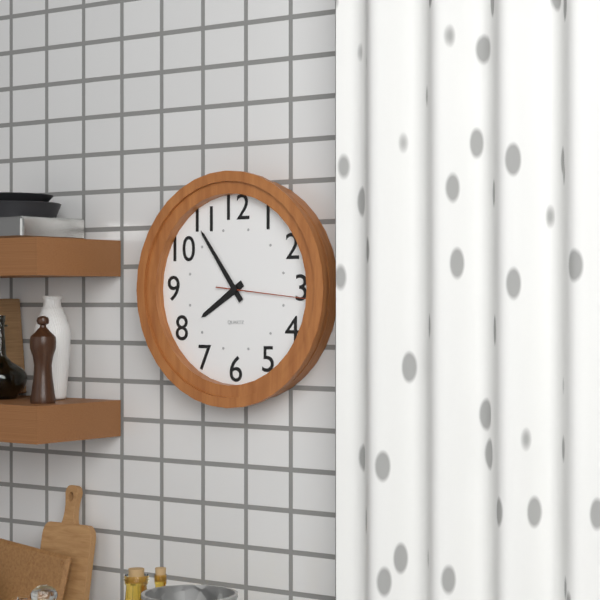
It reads **7:54:16**
